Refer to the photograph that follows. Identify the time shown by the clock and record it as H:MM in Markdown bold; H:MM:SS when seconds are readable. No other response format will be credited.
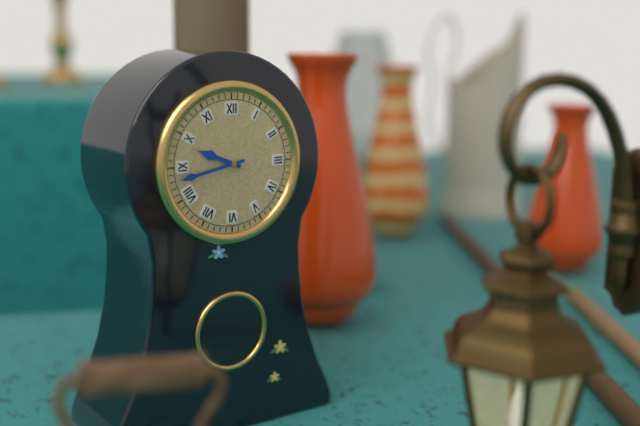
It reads **9:43**
